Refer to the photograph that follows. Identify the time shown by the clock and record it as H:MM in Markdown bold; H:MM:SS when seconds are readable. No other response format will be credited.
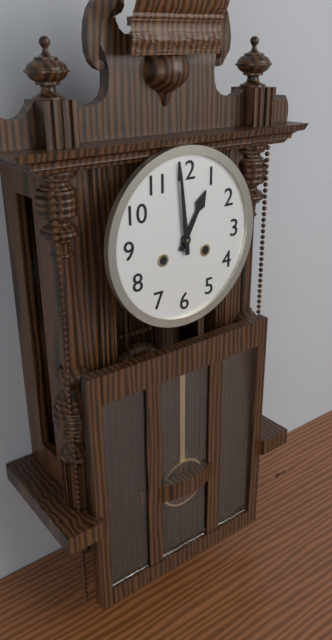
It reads **12:59**
